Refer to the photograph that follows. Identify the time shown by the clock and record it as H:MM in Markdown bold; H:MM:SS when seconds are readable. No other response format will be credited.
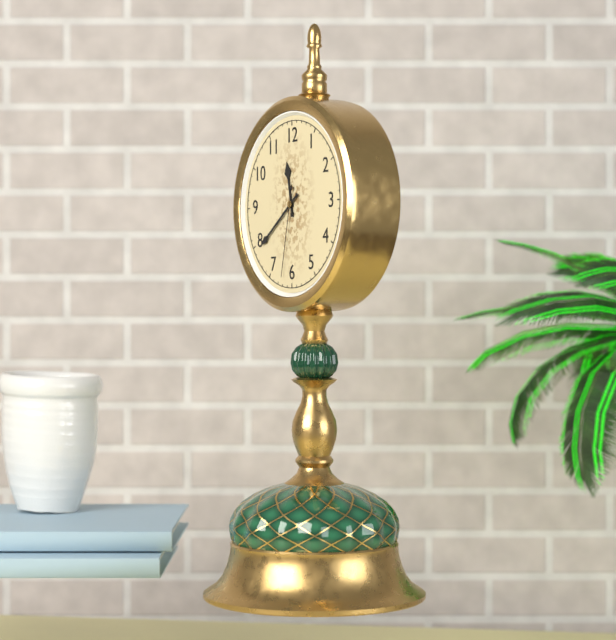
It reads **11:39:32**
